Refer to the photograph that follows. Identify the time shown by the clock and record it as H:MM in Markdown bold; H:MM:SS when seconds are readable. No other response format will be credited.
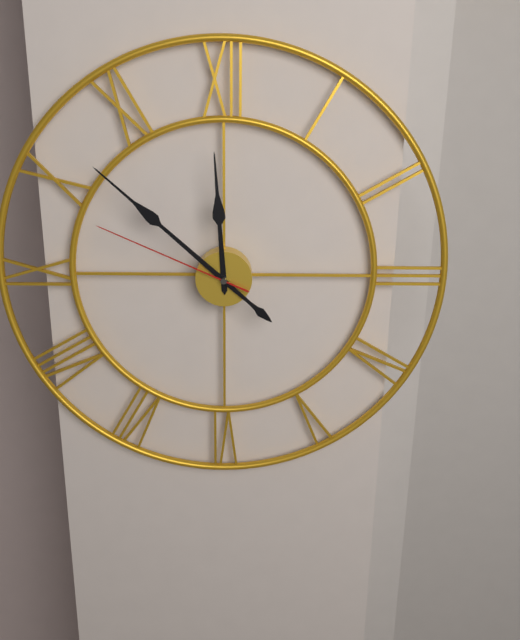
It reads **11:52:49**
